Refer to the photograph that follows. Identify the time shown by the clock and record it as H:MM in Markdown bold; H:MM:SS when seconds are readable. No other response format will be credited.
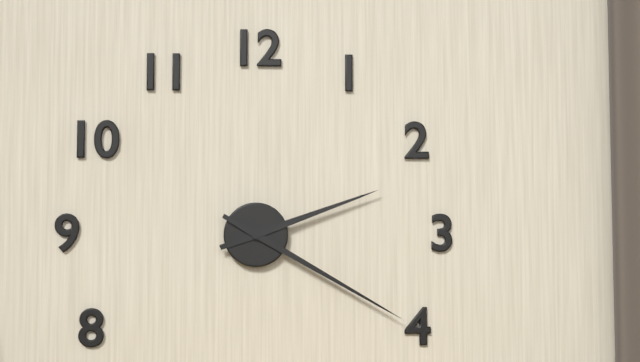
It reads **2:20**
